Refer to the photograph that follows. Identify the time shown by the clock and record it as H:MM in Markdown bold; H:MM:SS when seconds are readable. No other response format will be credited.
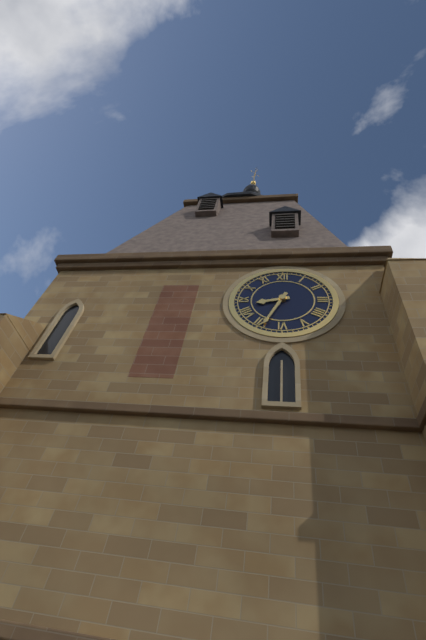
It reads **8:34**
